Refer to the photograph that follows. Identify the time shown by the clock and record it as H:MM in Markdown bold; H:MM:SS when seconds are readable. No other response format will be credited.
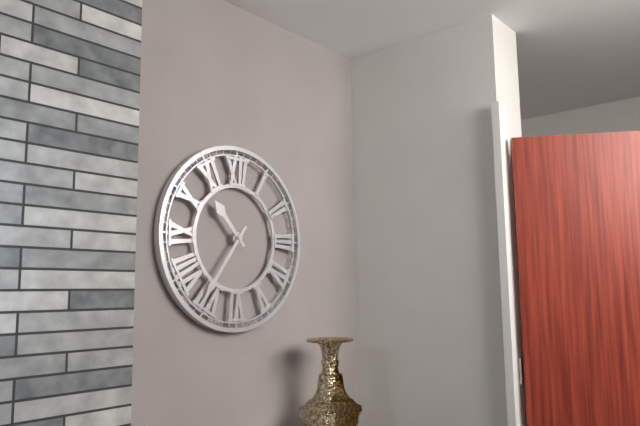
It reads **10:36**
